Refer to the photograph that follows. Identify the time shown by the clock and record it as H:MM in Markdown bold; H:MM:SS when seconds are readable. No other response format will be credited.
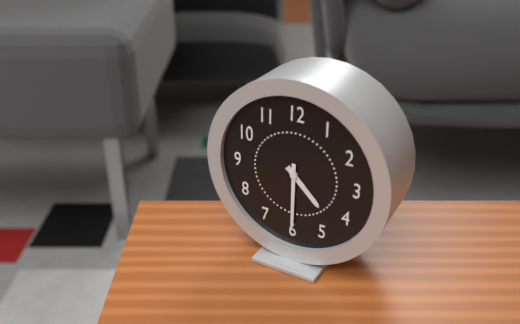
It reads **4:30**
